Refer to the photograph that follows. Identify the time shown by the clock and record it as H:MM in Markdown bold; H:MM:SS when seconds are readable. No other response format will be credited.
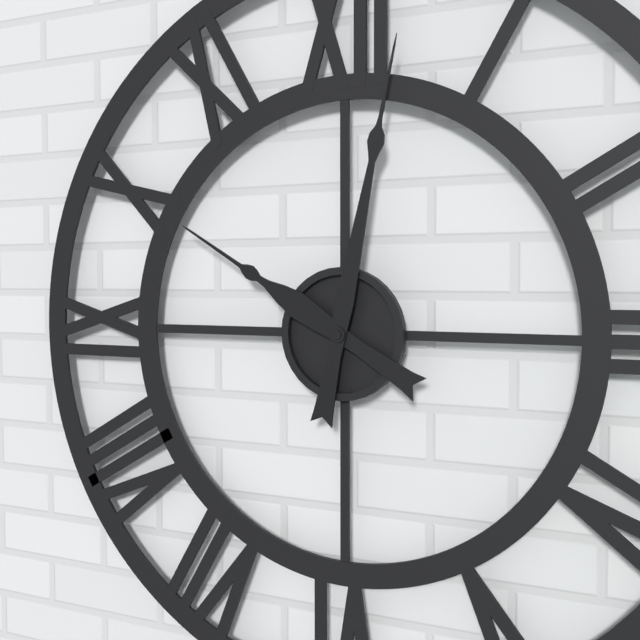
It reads **10:02**
